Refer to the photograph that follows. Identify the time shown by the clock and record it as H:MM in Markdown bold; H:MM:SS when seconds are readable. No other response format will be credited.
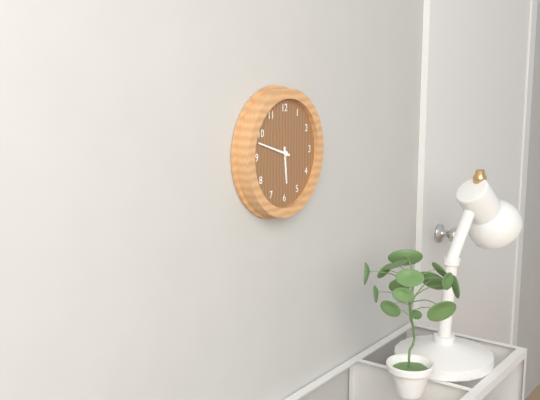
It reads **5:48**
